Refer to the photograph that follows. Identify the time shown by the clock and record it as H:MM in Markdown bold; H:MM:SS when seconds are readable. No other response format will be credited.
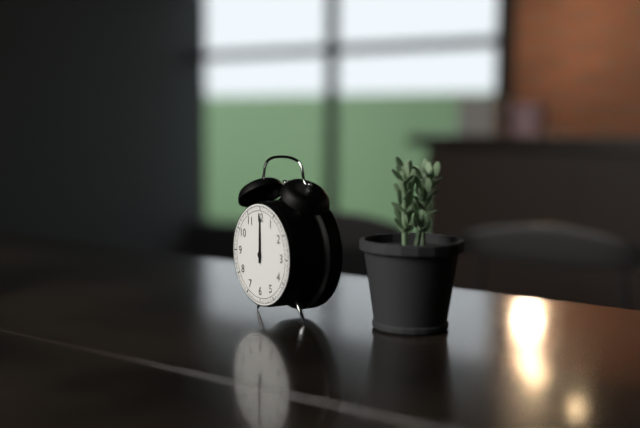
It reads **12:00**
